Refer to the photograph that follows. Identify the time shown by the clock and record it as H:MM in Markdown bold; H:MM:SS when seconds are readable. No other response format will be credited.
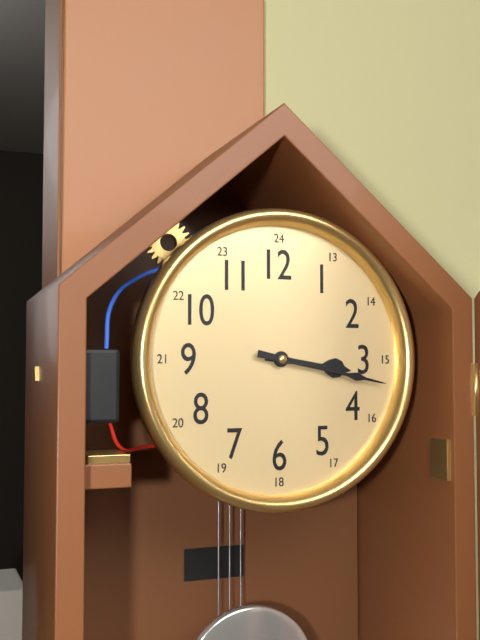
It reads **3:17**
